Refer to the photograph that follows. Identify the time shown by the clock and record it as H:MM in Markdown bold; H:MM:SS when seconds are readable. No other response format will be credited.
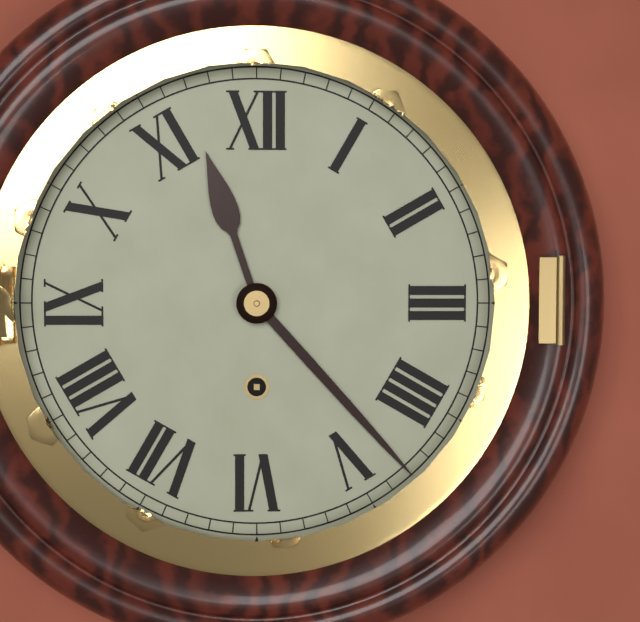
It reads **11:23**
